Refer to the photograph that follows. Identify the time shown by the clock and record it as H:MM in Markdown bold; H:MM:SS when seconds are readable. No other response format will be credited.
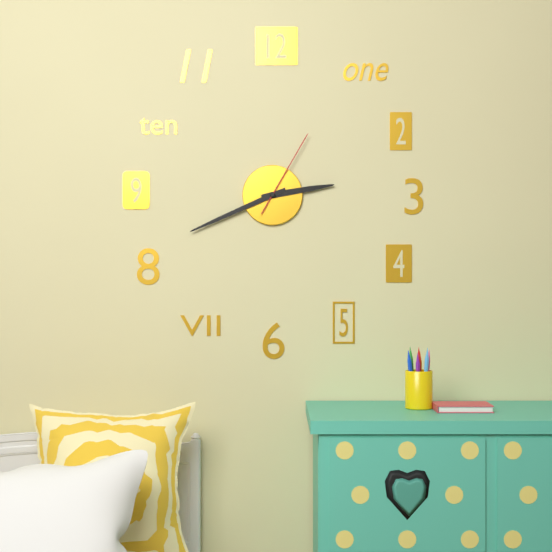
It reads **2:41:05**
